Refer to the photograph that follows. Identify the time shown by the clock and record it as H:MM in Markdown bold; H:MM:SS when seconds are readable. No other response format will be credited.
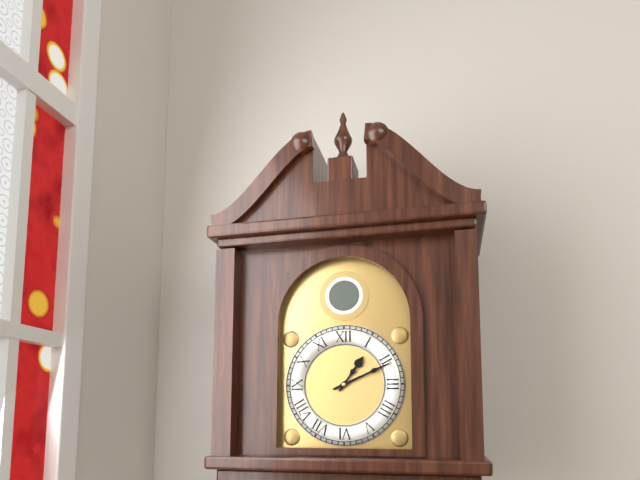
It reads **1:11**
